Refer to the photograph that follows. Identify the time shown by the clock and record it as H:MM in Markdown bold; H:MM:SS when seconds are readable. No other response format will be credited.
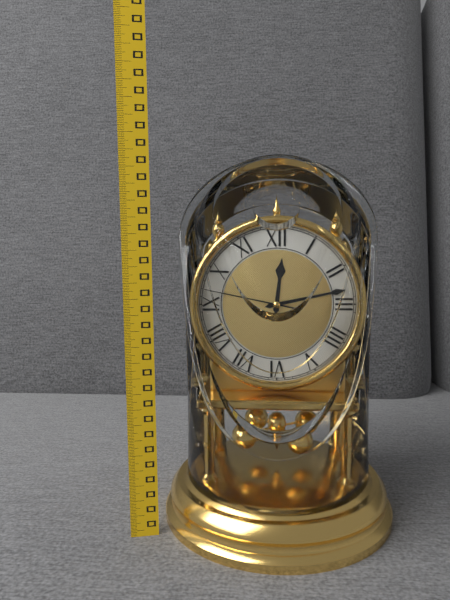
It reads **12:13:47**
